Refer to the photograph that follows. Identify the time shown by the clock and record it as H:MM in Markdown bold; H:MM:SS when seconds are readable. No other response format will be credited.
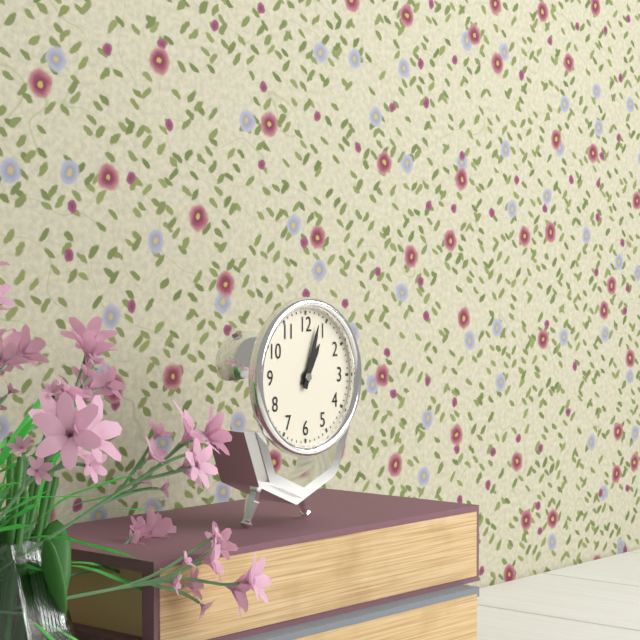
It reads **1:03**
